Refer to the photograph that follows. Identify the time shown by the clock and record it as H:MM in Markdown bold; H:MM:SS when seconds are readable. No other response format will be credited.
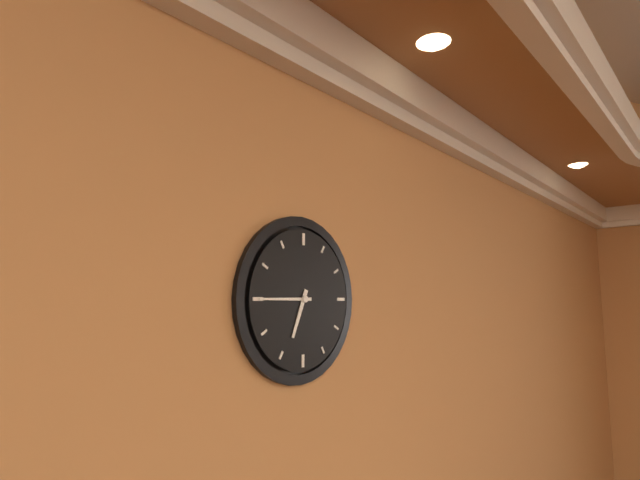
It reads **6:45**
